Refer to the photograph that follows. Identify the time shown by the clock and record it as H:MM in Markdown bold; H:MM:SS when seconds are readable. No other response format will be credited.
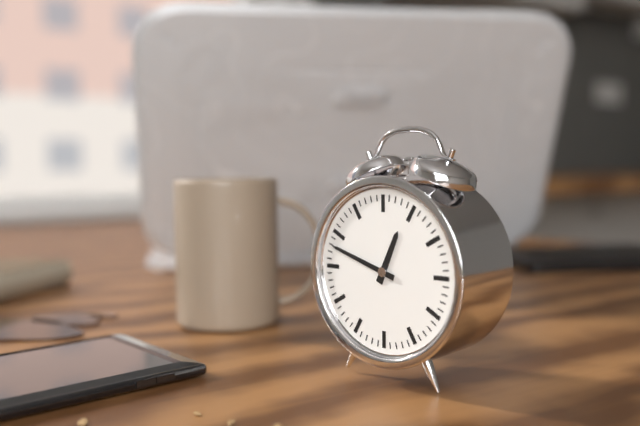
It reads **12:48**
